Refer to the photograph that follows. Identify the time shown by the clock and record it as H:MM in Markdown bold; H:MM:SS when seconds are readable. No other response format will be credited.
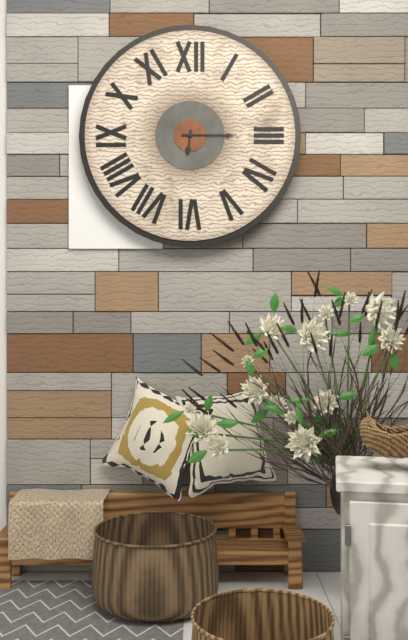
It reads **6:15**
